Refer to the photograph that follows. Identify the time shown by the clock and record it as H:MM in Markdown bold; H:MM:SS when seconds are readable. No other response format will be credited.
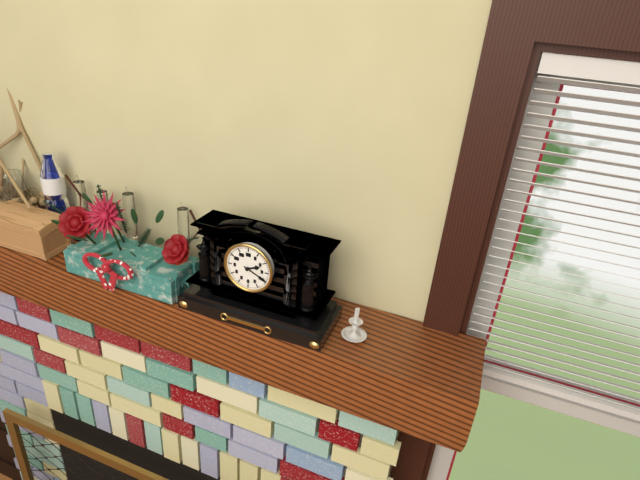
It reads **2:19**
